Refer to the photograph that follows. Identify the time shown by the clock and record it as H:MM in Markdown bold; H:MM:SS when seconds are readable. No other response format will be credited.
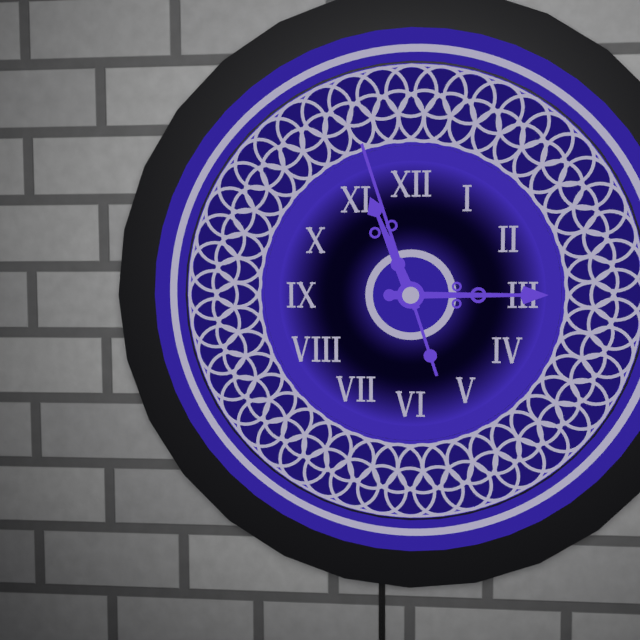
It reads **11:15:57**
